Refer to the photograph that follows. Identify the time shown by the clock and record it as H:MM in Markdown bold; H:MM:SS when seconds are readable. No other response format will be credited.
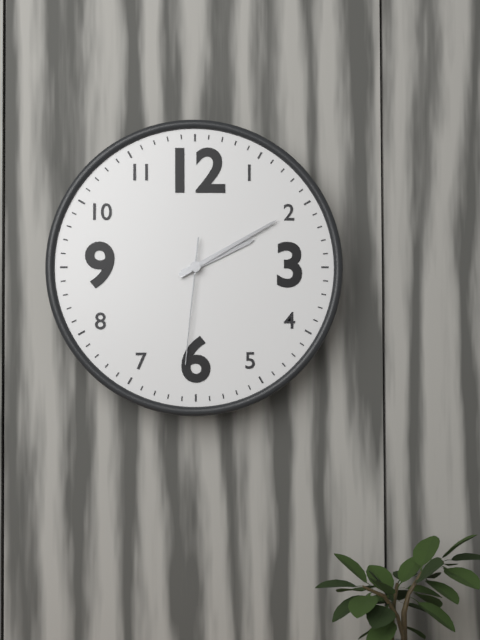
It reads **2:10:31**
